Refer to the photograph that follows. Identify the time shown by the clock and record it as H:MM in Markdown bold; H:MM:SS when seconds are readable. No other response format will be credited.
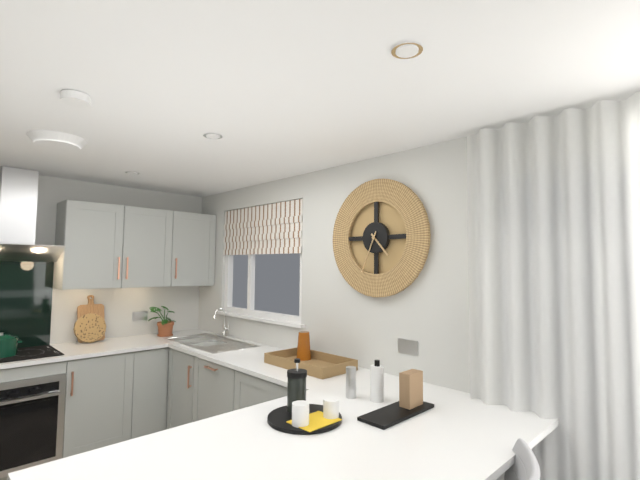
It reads **4:34**
